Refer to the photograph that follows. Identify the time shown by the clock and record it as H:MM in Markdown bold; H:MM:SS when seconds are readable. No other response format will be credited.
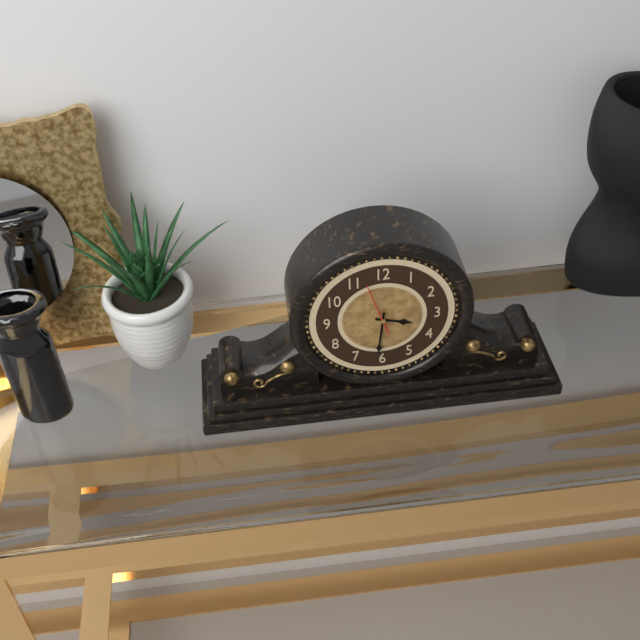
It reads **3:31:57**
